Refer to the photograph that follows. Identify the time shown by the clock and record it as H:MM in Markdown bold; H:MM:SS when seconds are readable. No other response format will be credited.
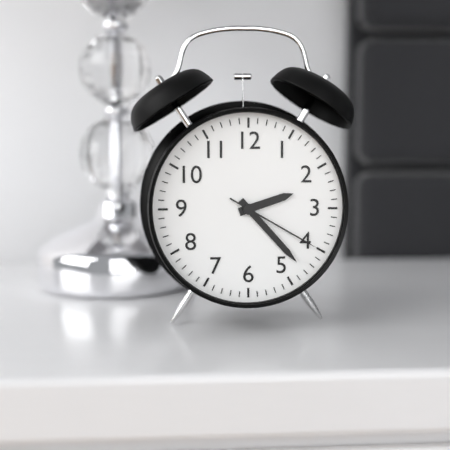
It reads **2:23:20**
